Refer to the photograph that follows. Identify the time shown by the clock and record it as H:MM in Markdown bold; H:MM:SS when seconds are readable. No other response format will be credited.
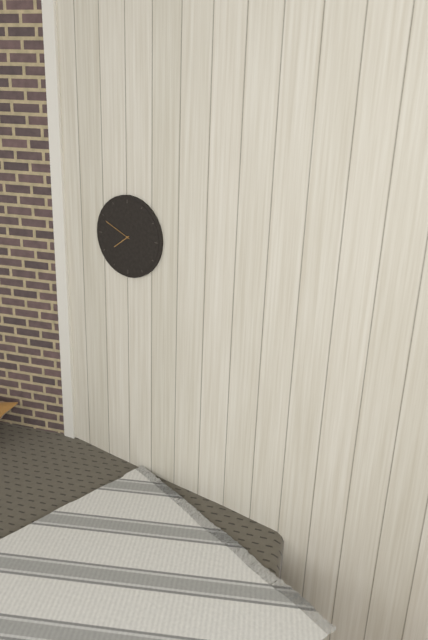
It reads **7:49**
